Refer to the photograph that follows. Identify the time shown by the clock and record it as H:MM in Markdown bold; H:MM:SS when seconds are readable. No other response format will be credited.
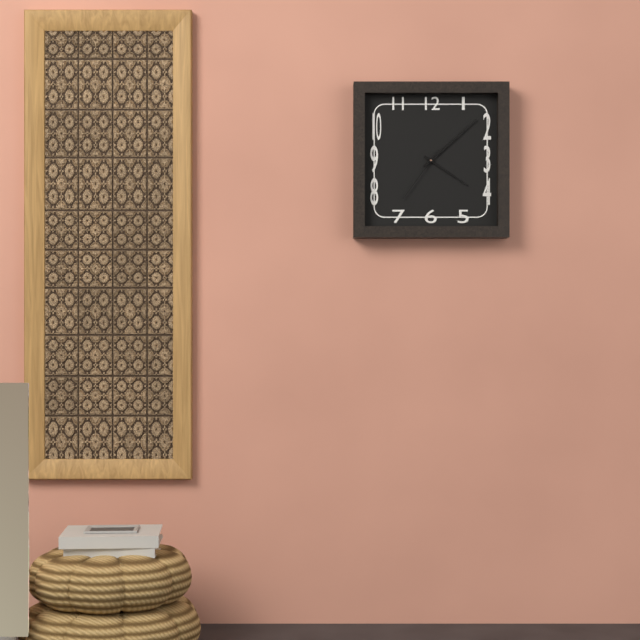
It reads **4:08:36**
